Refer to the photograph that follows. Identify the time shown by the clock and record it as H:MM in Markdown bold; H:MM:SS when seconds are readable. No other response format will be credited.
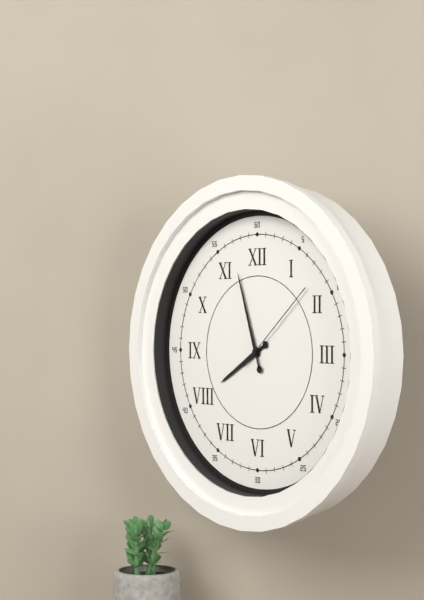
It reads **7:57:08**
